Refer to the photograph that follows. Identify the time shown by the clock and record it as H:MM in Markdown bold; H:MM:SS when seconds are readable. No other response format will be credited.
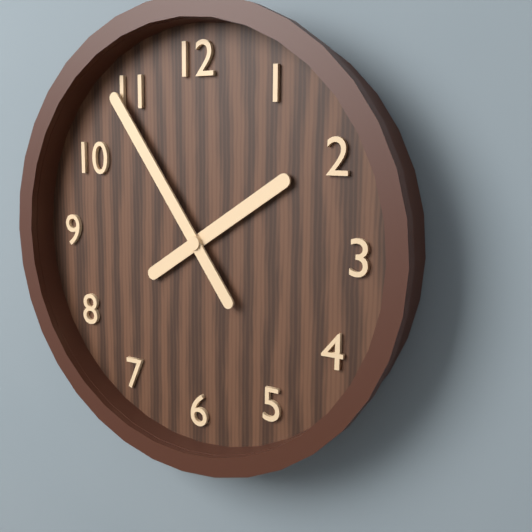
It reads **1:54**
